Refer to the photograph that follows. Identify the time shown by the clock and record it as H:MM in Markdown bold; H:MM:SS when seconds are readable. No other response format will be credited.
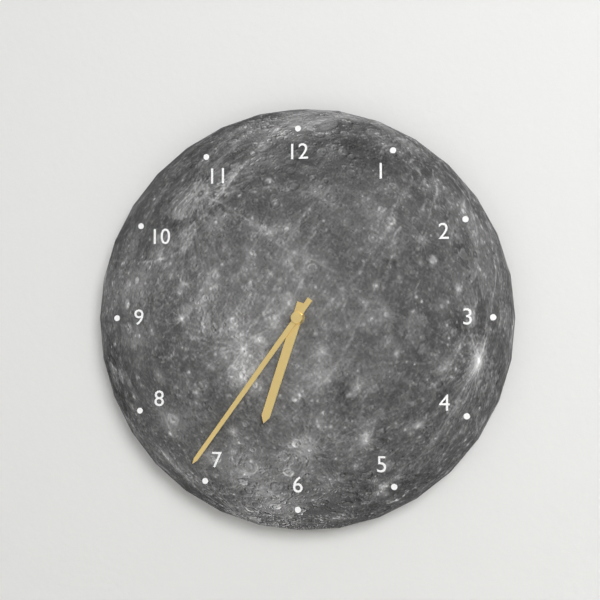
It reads **6:36**
